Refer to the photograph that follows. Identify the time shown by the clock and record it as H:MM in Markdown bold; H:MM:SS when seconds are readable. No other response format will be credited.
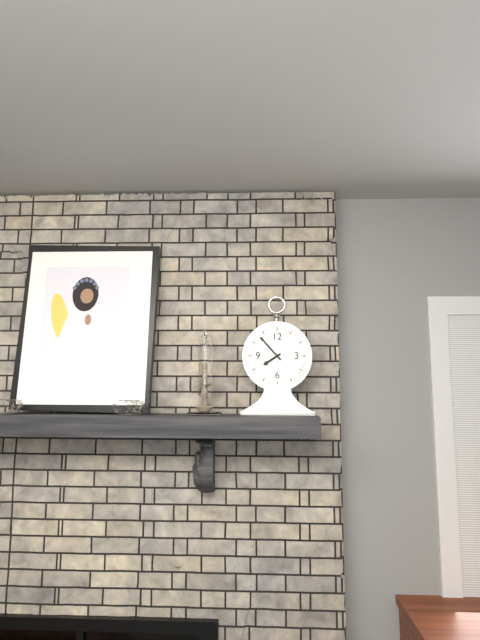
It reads **7:53**
